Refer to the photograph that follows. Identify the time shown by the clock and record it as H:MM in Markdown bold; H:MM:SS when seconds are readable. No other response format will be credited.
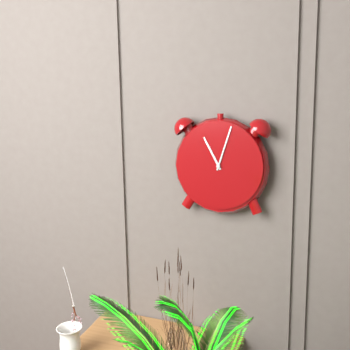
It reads **11:03**
